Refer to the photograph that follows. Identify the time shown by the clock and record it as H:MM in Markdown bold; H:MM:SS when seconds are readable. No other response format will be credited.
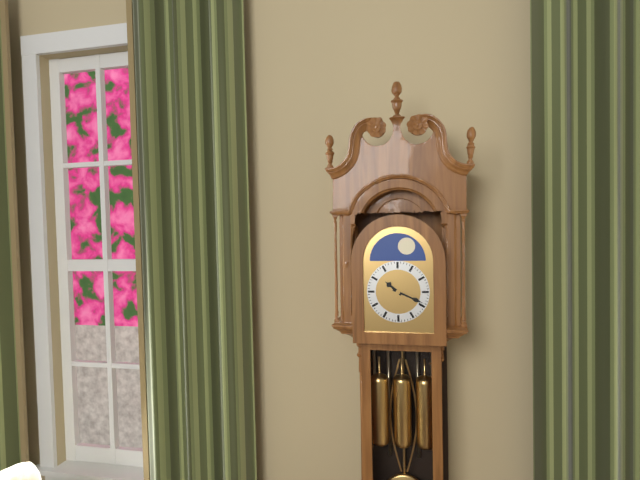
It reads **10:19**
